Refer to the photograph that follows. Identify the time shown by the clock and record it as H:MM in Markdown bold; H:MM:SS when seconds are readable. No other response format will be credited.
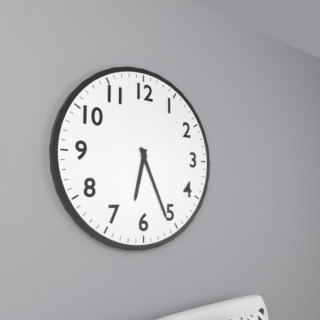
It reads **6:26**
